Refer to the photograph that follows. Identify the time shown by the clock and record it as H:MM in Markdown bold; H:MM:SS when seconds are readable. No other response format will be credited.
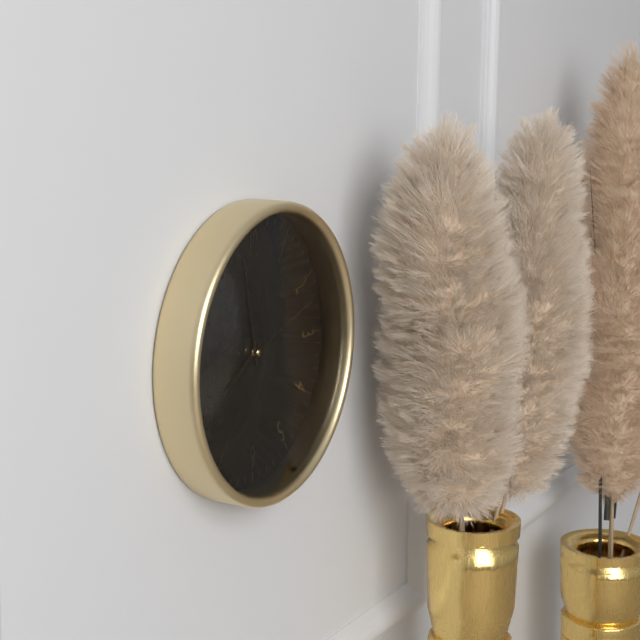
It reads **7:58:12**
